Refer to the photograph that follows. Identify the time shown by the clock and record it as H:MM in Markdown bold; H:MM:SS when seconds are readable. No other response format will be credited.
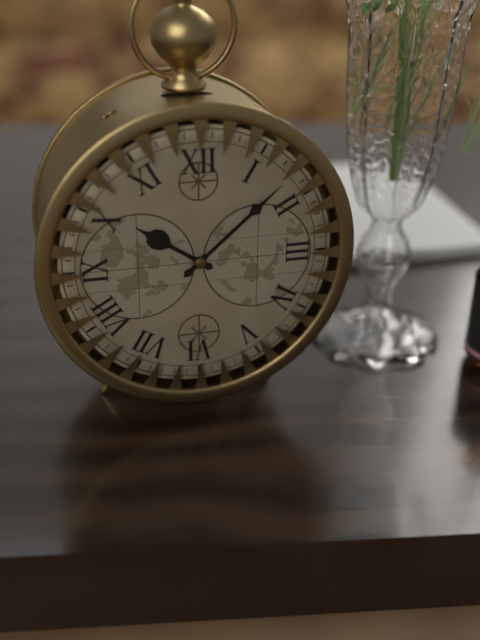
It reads **10:08**
